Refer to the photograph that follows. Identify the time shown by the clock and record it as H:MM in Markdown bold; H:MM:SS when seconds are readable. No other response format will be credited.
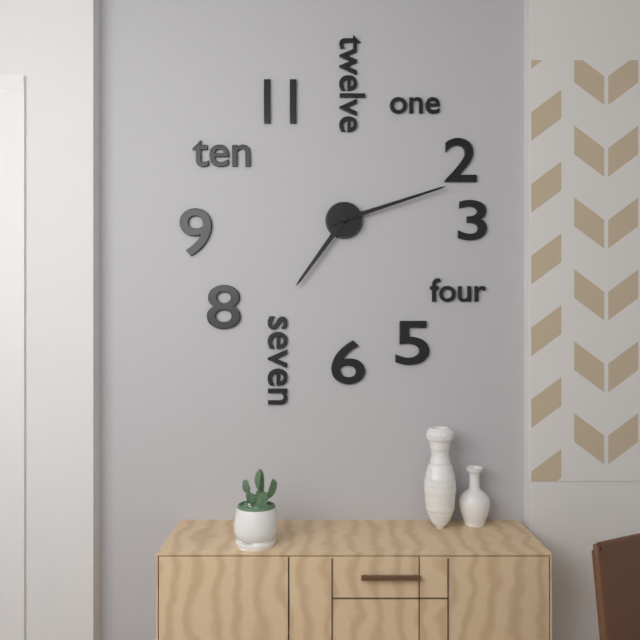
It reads **7:12**
